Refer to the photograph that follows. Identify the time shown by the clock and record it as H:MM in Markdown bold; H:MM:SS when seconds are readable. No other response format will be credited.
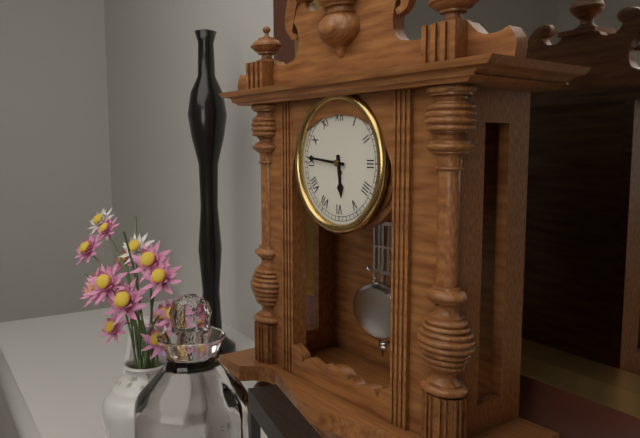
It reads **5:46**
